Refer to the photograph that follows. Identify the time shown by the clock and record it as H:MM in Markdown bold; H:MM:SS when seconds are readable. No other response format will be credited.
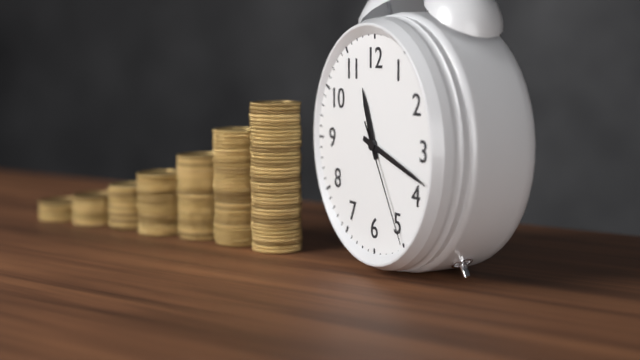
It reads **11:18:25**
